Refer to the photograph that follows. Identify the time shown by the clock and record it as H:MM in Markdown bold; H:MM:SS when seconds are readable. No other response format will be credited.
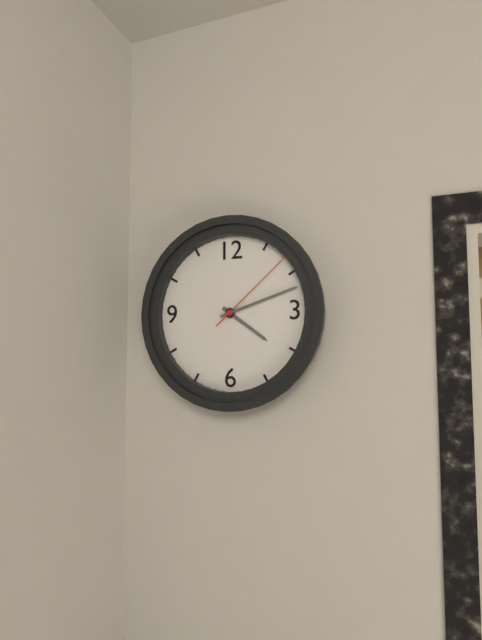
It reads **4:12:08**
